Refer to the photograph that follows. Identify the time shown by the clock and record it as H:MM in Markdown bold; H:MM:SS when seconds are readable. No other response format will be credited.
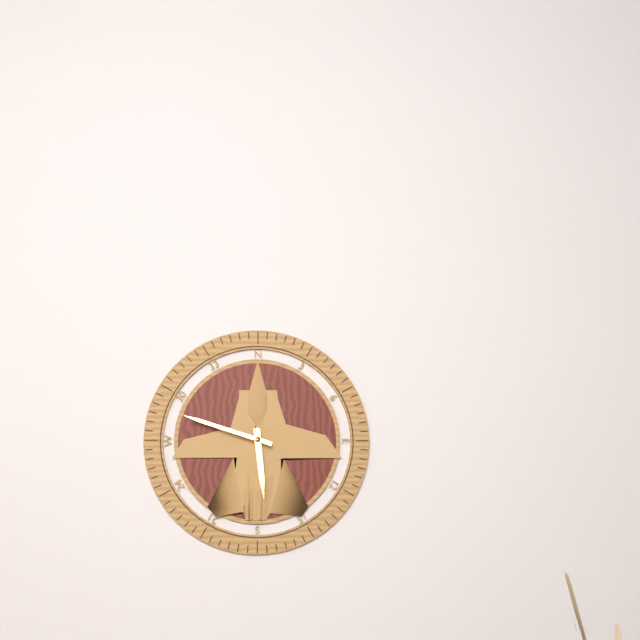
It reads **5:48**
